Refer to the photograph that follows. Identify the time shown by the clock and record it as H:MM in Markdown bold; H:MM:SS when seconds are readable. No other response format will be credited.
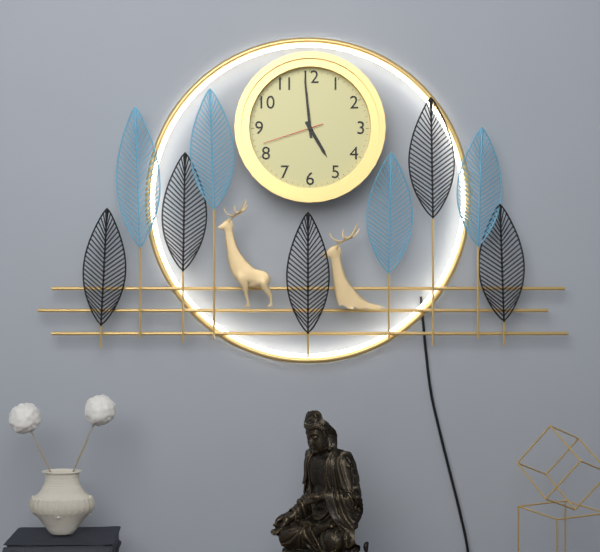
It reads **4:59:42**
